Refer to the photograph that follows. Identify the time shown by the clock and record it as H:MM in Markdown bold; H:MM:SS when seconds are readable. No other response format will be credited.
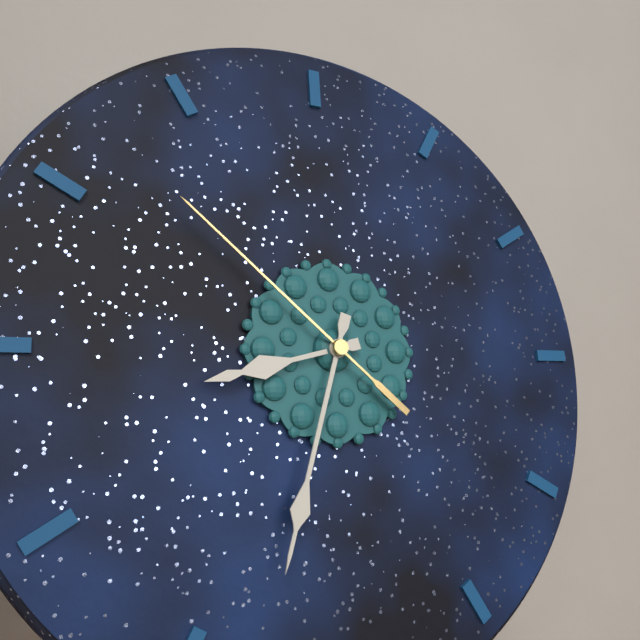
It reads **8:33:52**
